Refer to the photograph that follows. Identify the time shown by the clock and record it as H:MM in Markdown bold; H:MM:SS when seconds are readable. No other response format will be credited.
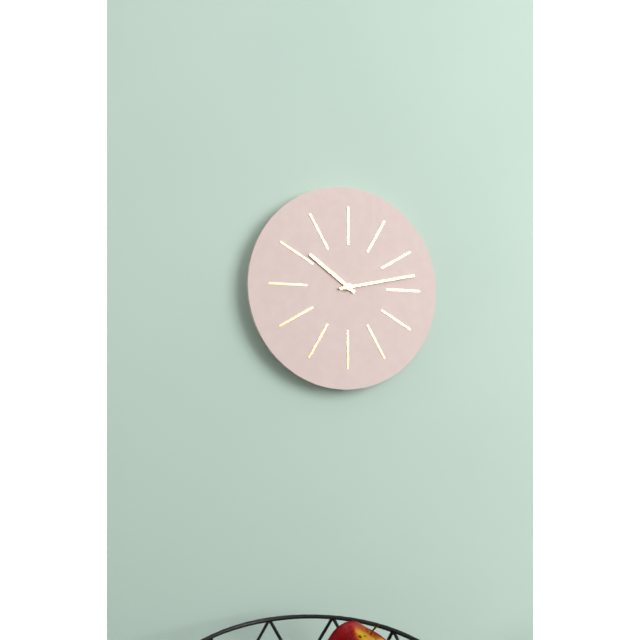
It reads **10:13**
